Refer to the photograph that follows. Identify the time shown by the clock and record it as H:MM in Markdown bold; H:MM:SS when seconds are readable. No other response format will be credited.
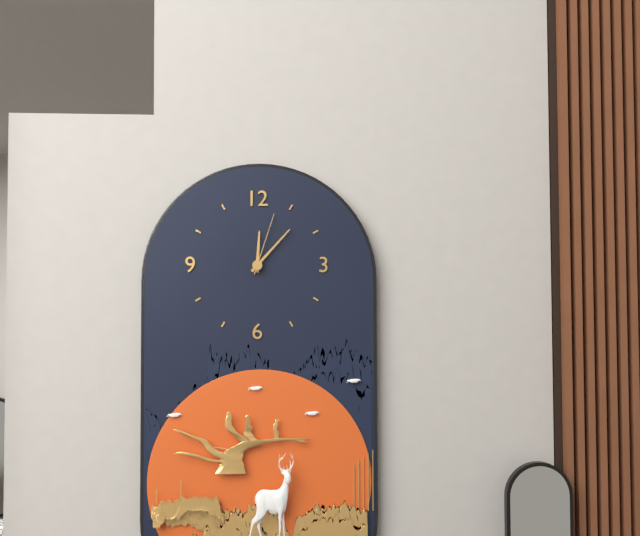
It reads **12:07:03**
